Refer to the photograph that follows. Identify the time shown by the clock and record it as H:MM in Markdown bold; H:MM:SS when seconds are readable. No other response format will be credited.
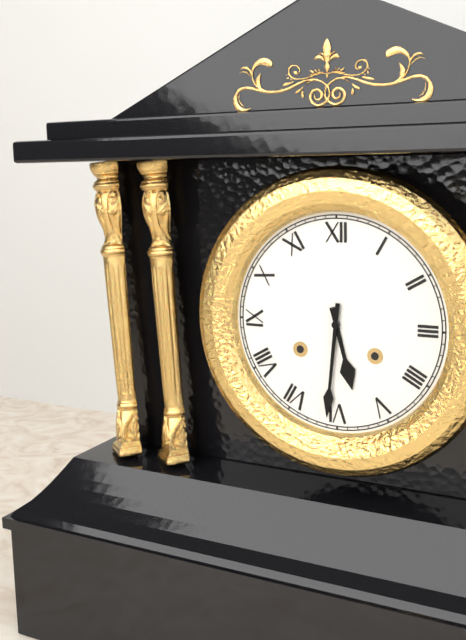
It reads **5:31**
